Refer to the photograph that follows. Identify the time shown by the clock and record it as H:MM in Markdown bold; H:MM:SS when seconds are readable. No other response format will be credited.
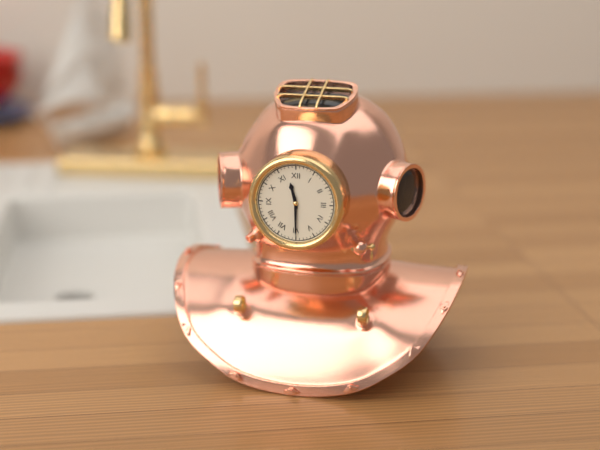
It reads **11:30**
